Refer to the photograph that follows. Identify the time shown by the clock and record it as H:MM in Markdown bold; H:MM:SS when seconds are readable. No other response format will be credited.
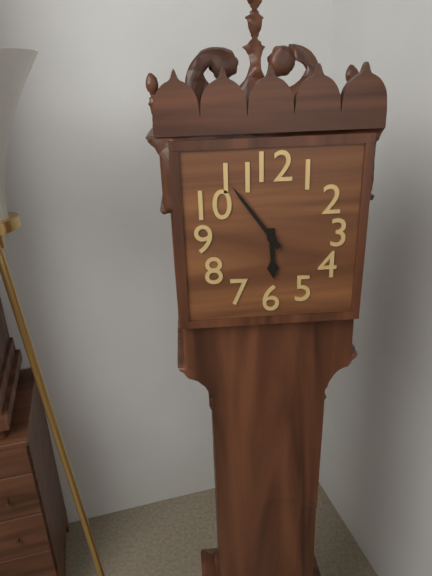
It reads **5:54**
